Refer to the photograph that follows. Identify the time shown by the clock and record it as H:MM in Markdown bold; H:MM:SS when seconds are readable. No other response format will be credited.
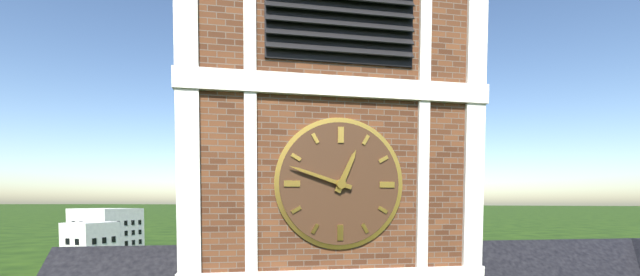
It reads **12:48**
